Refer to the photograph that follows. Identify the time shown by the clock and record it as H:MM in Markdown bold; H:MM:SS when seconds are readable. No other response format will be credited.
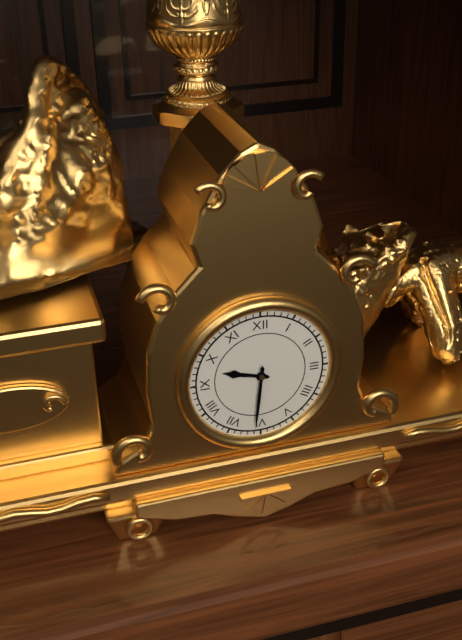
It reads **9:31**
